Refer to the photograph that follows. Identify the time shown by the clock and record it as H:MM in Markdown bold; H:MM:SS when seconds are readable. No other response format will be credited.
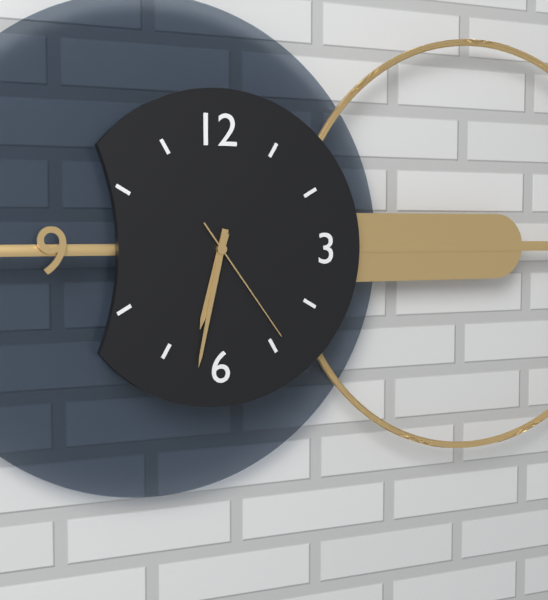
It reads **6:32:24**
